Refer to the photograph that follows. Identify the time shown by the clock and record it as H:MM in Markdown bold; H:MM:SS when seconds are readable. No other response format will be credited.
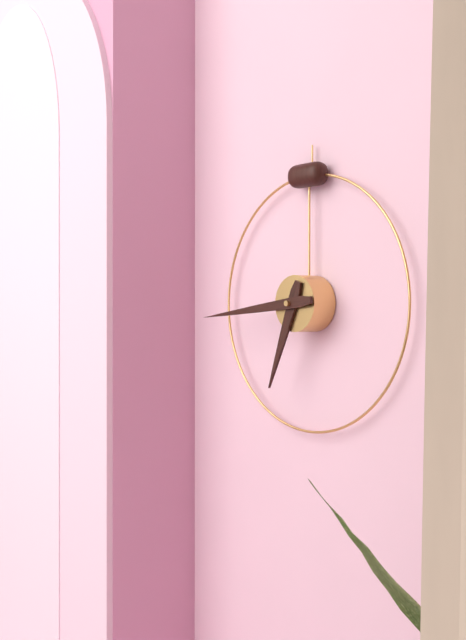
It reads **6:44**
